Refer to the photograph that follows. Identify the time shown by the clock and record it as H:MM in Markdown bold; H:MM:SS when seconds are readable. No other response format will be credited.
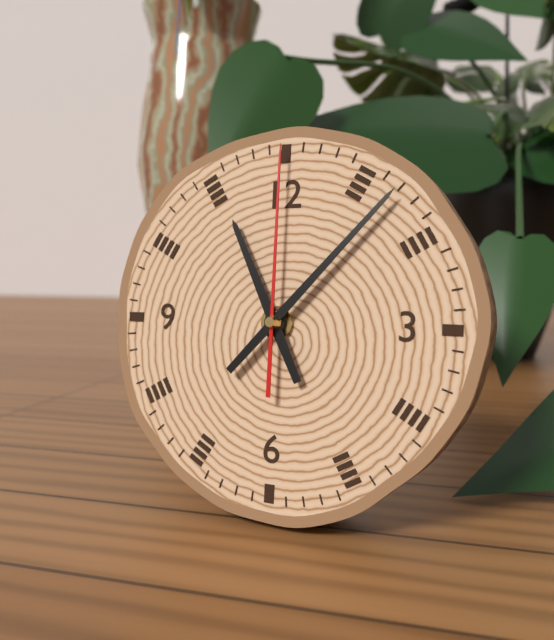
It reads **11:07:00**
